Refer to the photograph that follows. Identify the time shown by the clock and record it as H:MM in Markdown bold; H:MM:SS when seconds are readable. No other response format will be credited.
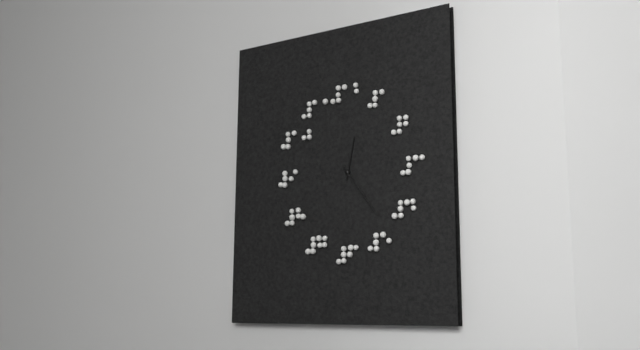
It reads **12:24**
